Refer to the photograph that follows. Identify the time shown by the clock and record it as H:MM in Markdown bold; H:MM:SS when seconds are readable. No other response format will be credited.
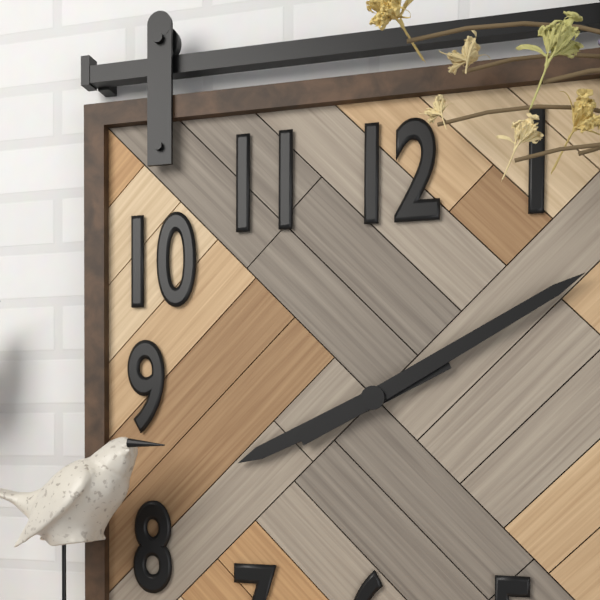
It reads **8:10**
